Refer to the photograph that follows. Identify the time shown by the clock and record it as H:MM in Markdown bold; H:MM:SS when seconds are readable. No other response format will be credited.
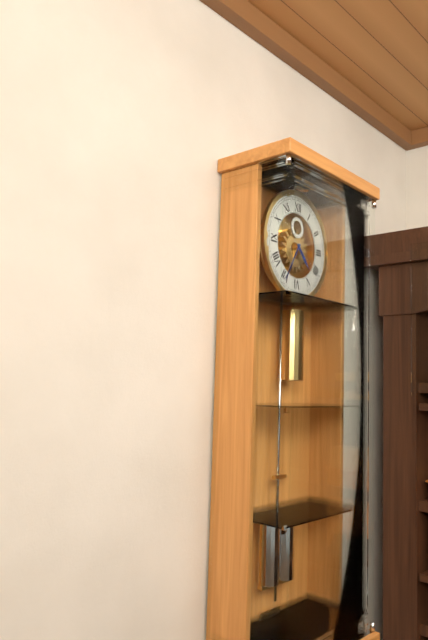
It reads **4:35**
